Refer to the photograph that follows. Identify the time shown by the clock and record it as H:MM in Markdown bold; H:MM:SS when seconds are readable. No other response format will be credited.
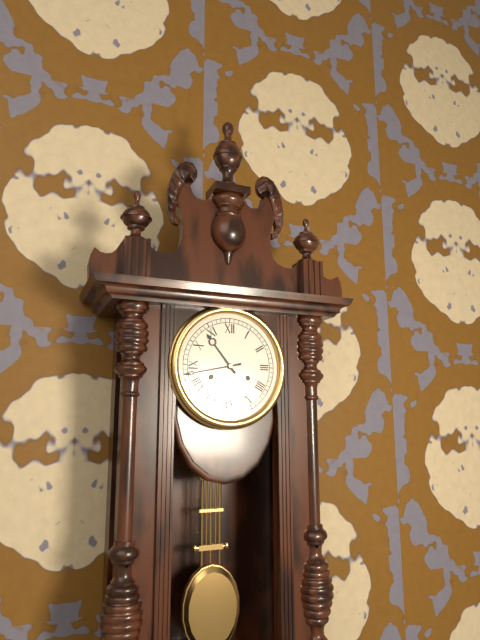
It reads **10:43**
